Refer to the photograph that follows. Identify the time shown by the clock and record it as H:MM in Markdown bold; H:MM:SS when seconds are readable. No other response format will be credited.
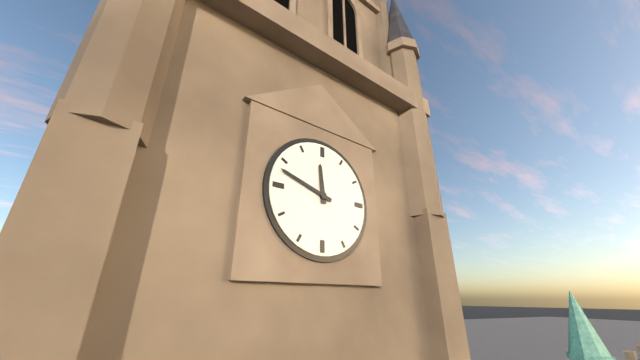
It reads **11:48**
